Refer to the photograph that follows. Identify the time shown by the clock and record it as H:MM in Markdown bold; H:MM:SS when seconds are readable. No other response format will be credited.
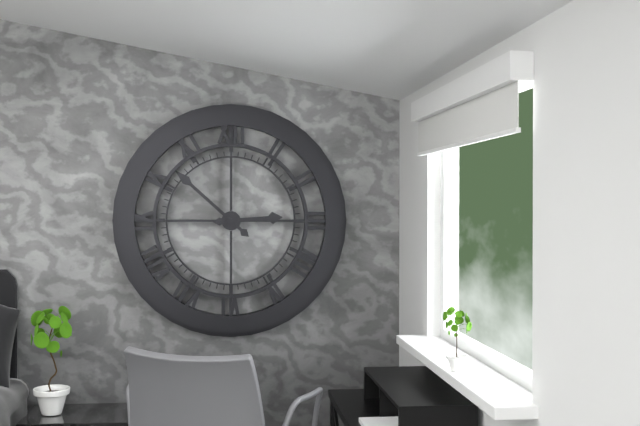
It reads **2:52**
